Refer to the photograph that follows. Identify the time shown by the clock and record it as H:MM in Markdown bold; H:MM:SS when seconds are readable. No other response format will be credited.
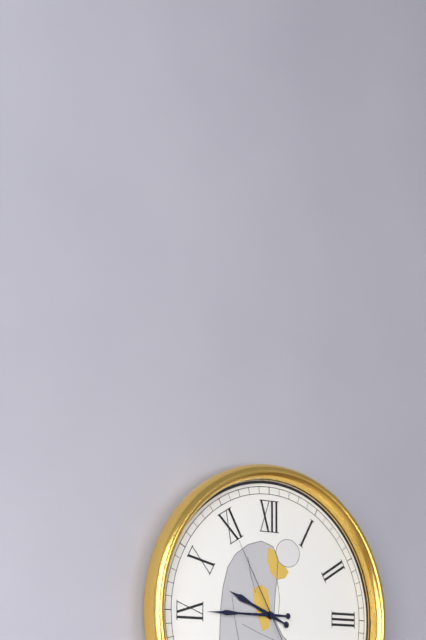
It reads **9:45:55**
